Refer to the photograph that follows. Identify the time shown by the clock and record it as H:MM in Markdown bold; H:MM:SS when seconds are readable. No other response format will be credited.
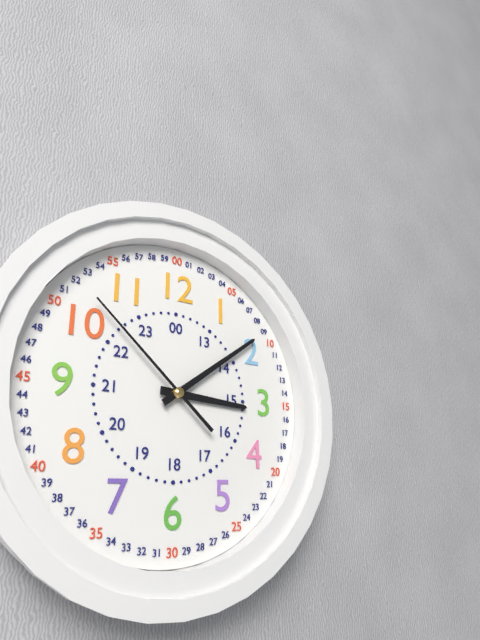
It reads **3:09:52**
